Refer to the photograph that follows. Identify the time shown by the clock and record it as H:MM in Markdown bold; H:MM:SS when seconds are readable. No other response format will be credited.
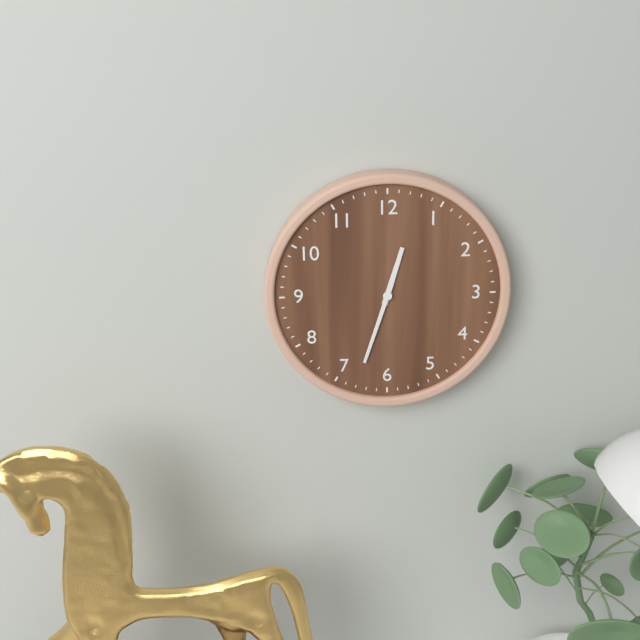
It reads **12:33**
